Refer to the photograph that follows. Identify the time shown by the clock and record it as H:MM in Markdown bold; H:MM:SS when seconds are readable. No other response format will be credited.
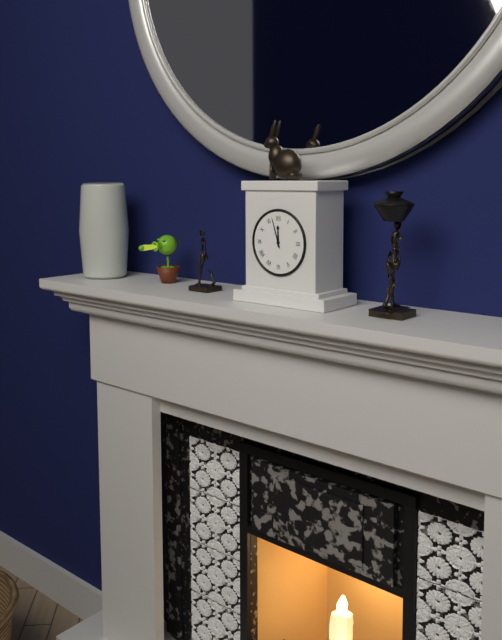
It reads **11:57**
